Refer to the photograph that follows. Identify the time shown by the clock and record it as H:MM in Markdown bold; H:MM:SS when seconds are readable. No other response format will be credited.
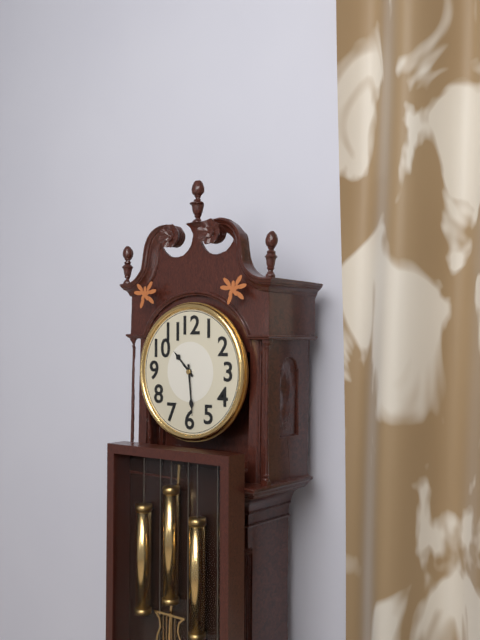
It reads **10:29**
